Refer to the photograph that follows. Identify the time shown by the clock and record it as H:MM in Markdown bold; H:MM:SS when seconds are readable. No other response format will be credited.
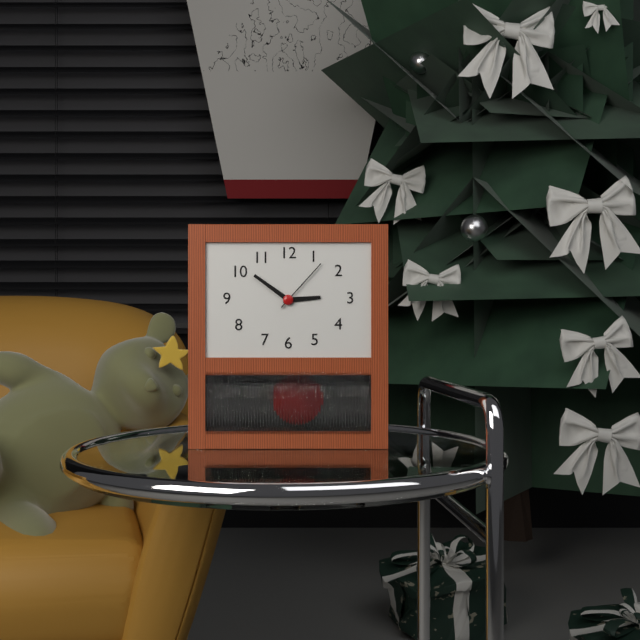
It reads **2:51:07**
